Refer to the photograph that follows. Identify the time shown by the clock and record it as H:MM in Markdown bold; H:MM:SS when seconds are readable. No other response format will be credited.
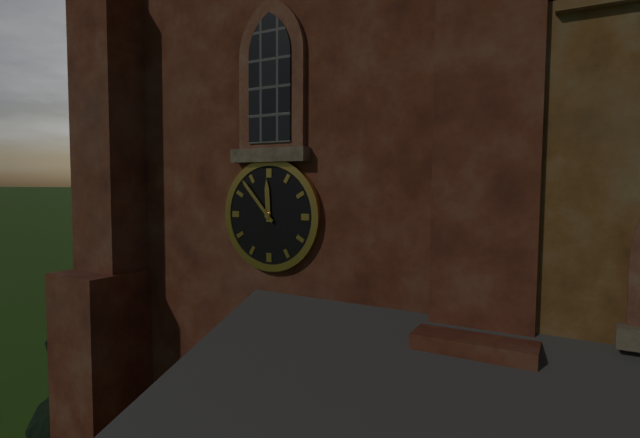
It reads **11:53**
